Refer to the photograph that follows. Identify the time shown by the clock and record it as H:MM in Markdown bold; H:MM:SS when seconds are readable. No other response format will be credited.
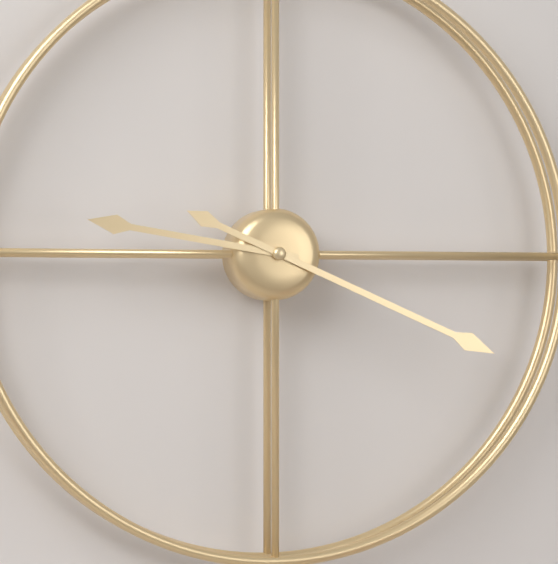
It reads **9:19**
